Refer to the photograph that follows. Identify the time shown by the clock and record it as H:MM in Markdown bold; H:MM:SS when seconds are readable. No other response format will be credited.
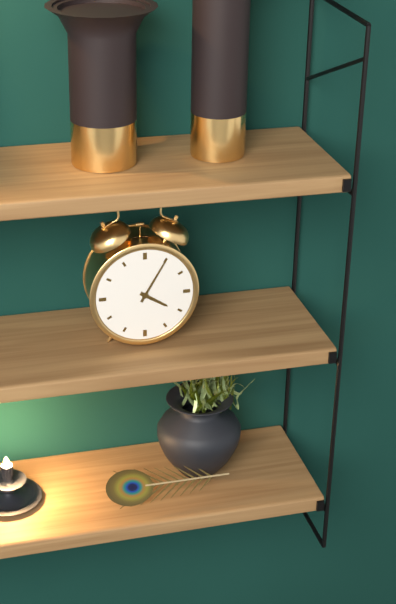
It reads **4:05**
